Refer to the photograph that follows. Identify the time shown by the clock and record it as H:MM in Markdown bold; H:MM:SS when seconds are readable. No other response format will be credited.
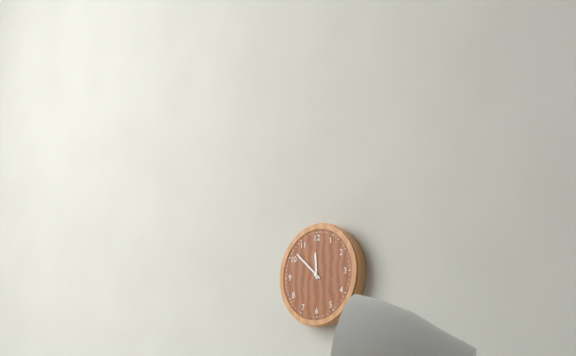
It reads **11:52**
